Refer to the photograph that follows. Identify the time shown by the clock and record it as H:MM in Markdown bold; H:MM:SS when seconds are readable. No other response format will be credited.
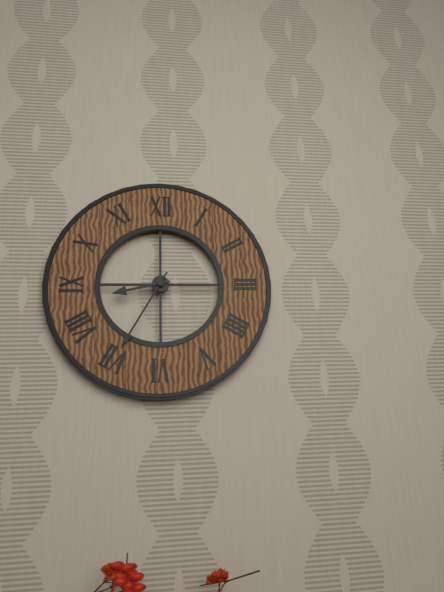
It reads **8:35**
